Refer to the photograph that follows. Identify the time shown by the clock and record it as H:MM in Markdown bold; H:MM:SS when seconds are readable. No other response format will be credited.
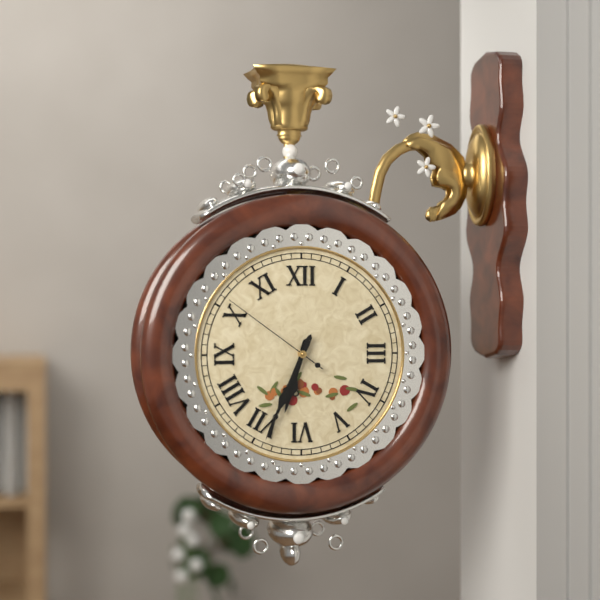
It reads **6:34:51**
